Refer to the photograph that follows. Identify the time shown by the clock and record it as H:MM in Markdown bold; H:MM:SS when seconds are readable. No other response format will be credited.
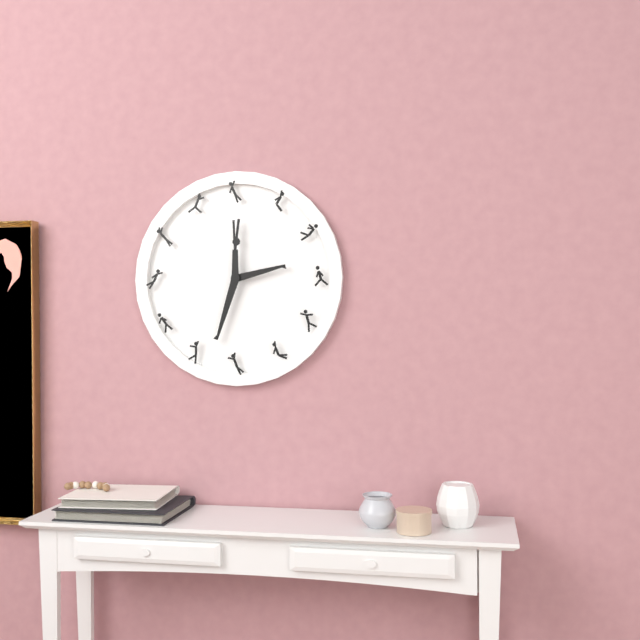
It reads **2:33**
